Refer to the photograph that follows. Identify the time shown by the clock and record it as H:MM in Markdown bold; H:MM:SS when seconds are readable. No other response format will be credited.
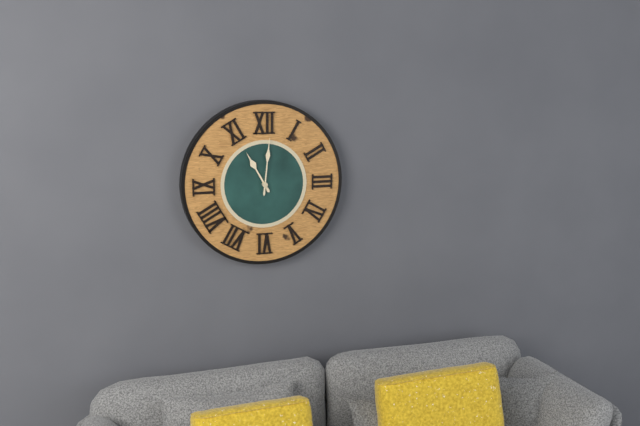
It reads **11:01**
